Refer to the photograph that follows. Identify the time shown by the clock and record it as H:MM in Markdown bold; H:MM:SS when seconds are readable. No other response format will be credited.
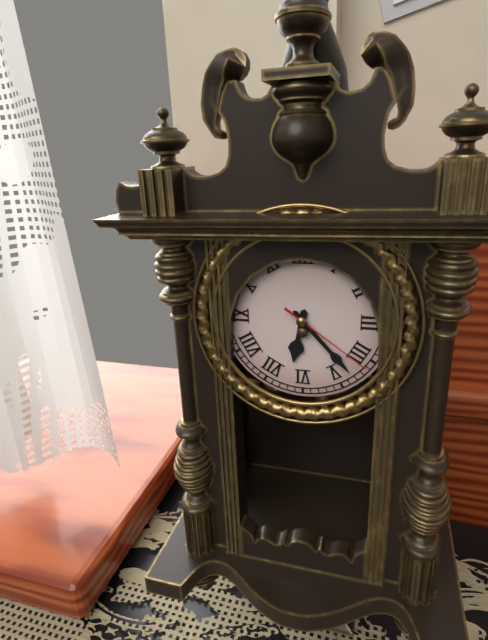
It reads **6:23:21**
